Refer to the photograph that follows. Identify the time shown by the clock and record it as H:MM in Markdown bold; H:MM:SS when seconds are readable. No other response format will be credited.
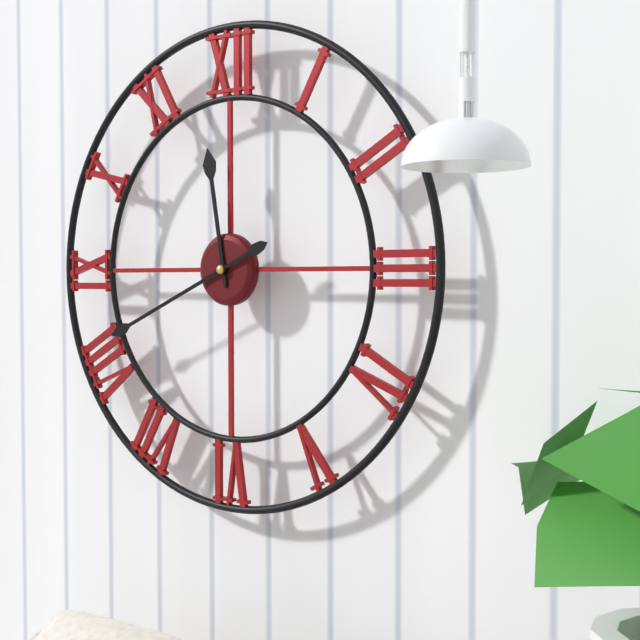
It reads **11:41**
